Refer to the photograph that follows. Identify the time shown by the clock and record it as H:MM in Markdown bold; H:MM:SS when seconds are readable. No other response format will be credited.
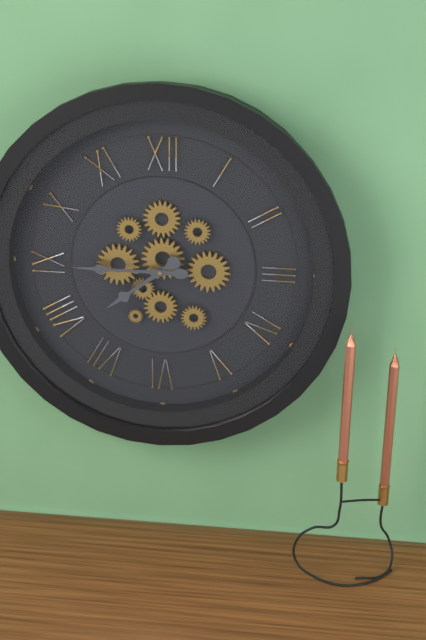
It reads **7:45**
